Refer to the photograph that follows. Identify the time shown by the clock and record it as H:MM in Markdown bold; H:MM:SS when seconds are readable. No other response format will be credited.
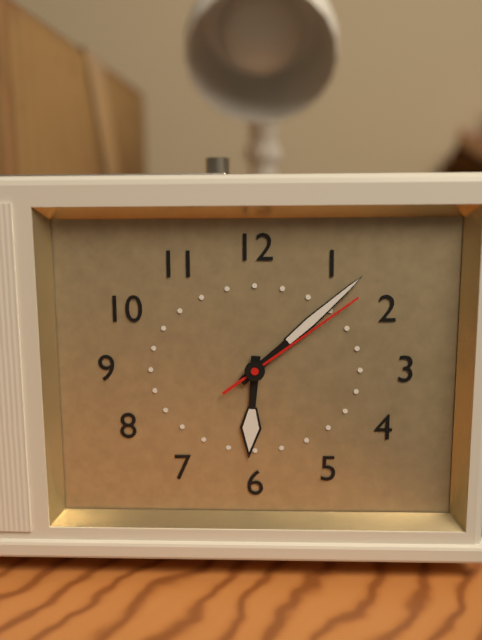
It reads **6:08:09**
